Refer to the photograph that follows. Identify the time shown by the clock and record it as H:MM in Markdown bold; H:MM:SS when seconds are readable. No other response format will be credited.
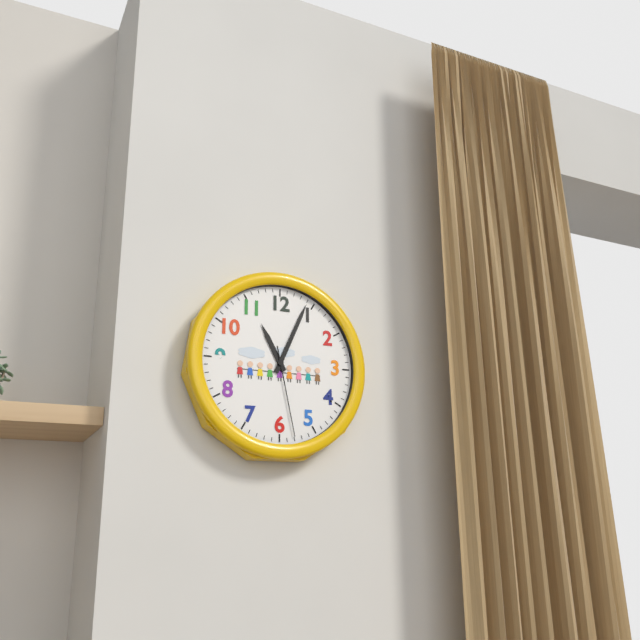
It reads **11:04:28**
